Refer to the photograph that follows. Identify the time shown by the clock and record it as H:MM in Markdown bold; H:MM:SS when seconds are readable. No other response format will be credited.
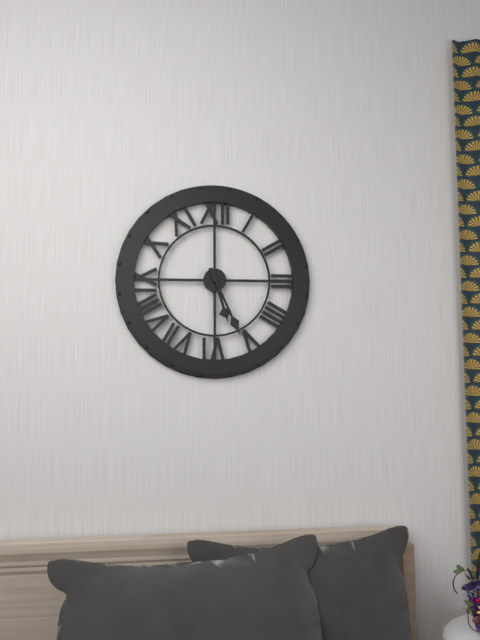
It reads **5:26**
